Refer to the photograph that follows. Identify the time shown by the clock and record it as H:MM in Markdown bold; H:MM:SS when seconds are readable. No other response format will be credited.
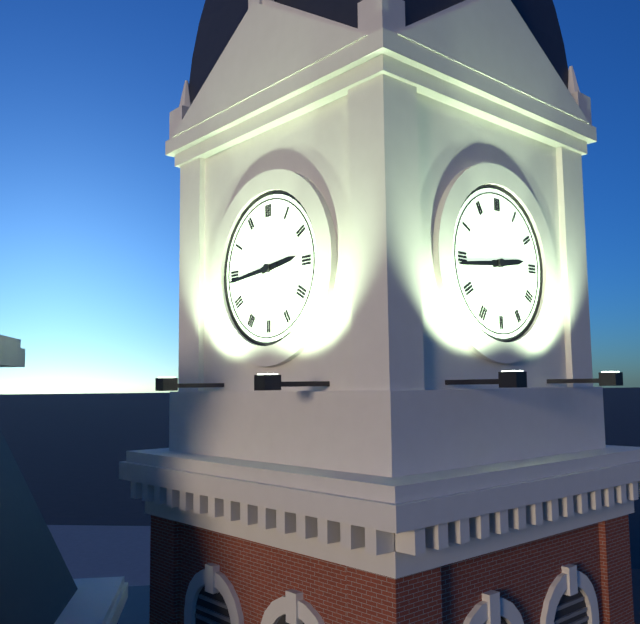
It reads **2:44**
